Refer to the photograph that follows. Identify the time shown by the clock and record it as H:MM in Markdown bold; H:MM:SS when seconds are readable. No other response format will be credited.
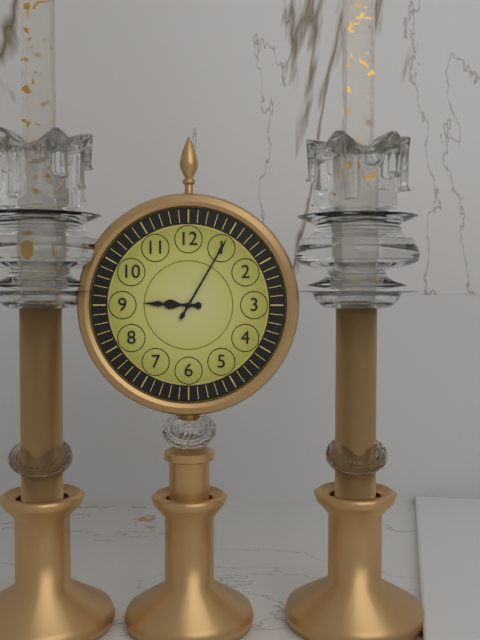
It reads **9:05**
